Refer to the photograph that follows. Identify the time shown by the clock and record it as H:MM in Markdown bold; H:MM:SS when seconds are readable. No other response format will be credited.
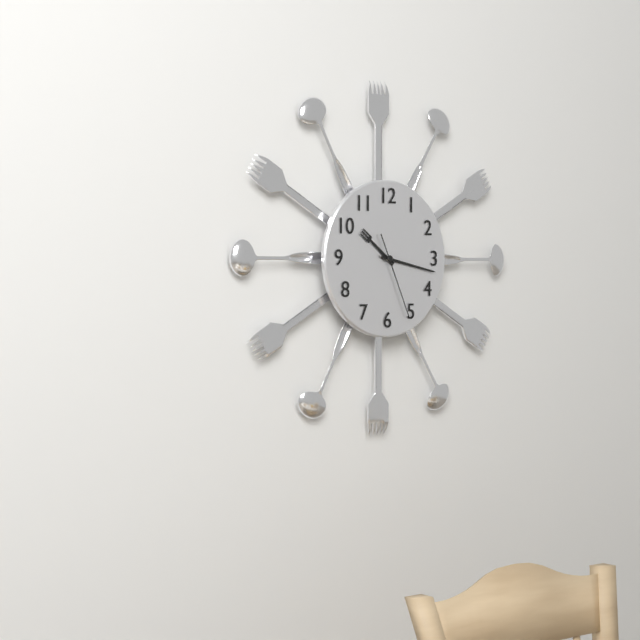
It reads **10:17:26**
